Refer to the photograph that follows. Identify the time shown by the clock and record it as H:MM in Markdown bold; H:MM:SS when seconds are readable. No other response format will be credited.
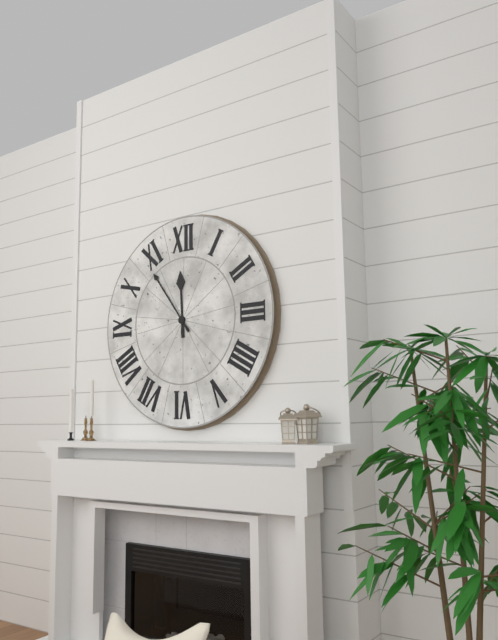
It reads **11:54**
